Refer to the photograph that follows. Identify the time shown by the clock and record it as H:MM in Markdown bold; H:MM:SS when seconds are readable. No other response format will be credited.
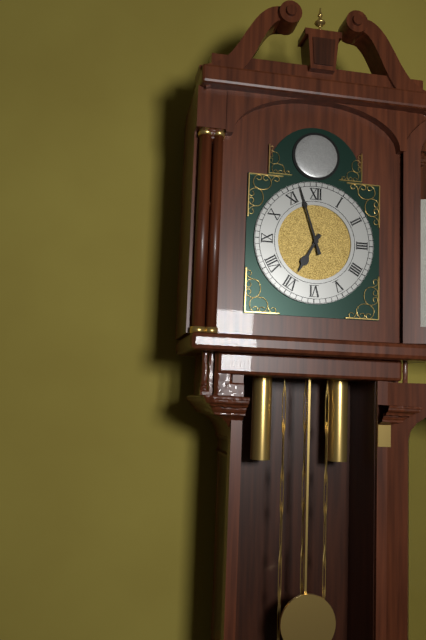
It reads **6:57**
